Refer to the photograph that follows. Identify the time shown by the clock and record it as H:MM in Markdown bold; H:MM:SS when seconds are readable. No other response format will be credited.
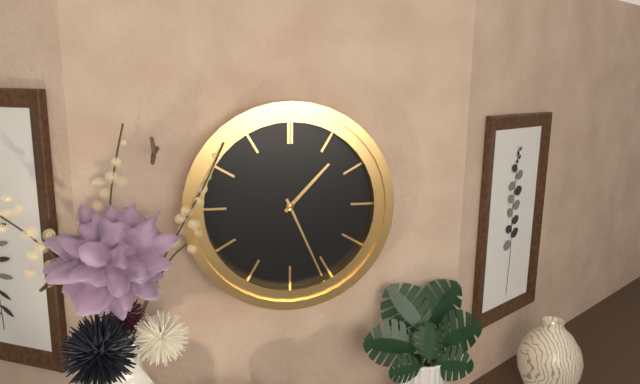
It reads **1:26**
